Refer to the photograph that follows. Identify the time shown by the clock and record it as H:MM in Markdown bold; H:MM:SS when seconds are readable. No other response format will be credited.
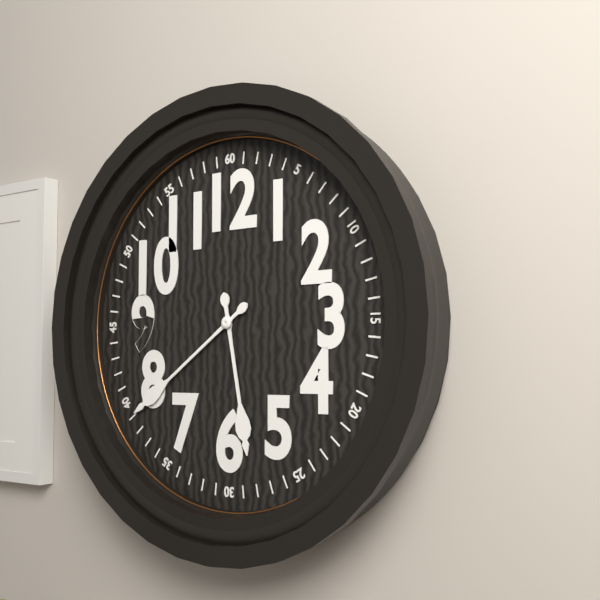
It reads **5:39**
